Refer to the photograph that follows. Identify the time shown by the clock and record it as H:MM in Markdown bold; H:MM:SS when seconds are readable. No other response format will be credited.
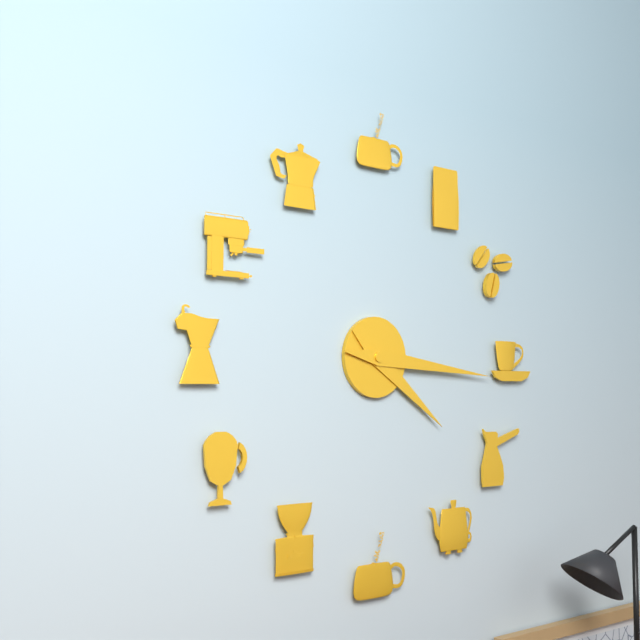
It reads **4:16**
